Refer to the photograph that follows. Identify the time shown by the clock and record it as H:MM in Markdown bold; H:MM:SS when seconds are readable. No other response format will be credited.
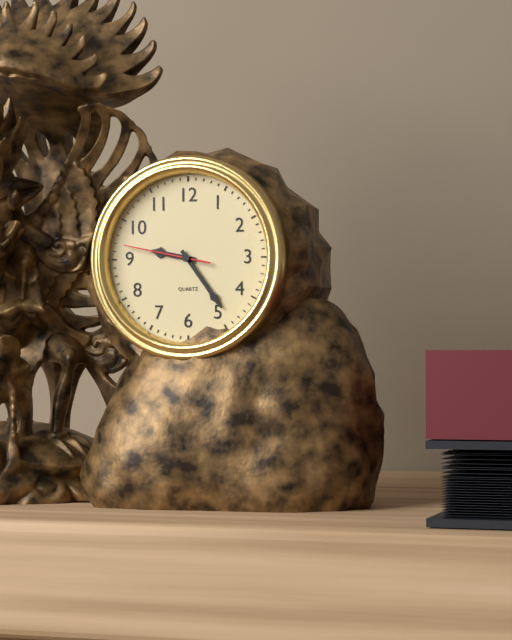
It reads **9:24:47**
